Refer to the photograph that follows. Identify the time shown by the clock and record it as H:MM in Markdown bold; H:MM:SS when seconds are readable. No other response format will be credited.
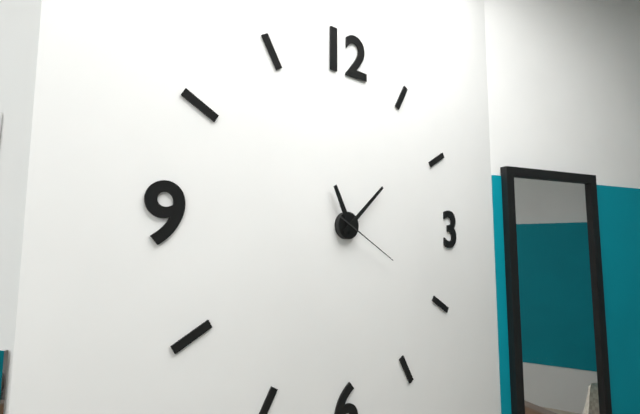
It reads **11:08:20**
